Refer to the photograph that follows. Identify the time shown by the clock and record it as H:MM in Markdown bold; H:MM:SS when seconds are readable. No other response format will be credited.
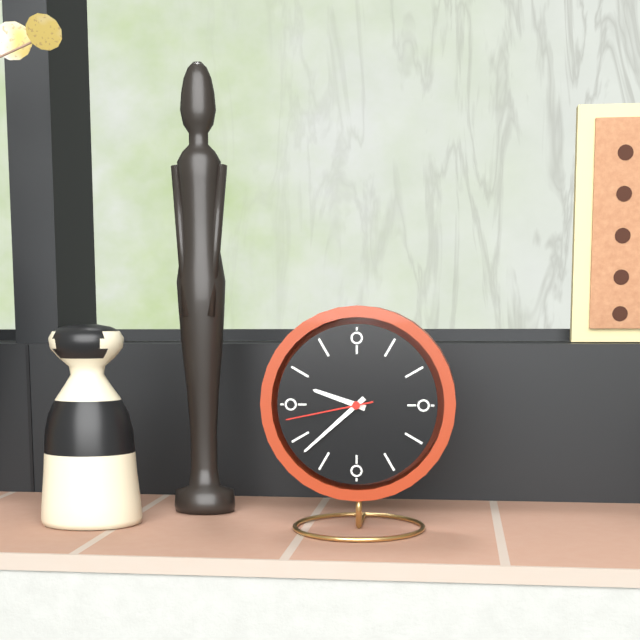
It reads **9:38:43**
